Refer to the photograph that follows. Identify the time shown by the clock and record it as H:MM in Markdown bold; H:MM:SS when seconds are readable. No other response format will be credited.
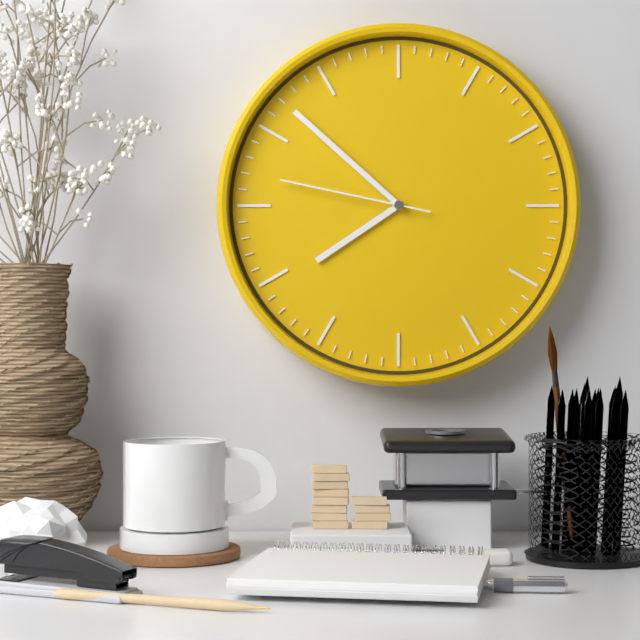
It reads **7:52:47**
